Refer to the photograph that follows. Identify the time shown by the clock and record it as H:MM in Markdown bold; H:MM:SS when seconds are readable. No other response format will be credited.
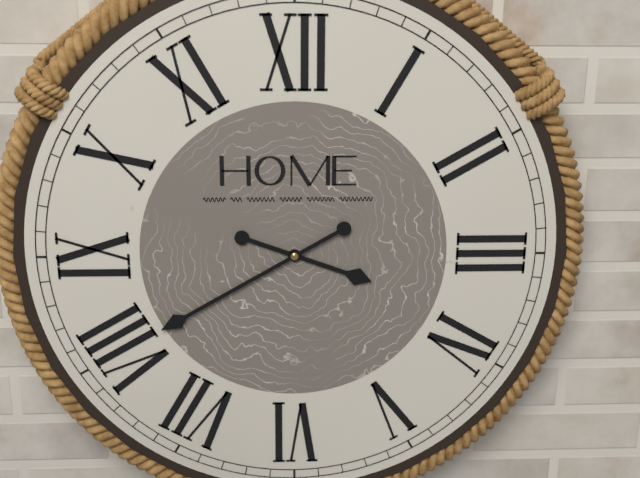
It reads **3:40**
